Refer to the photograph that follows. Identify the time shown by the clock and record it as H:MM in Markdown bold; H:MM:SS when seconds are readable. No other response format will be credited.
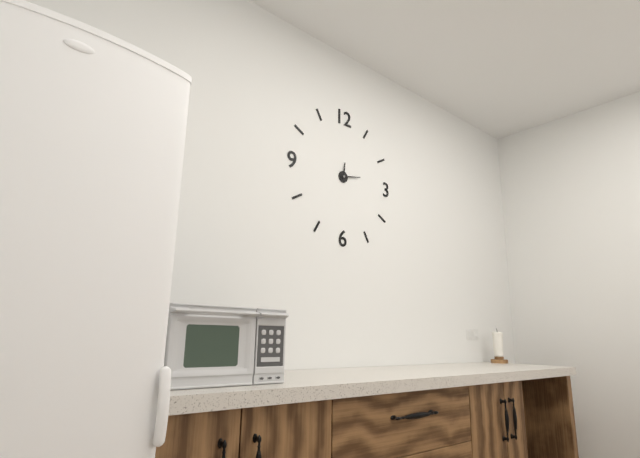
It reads **12:13**
